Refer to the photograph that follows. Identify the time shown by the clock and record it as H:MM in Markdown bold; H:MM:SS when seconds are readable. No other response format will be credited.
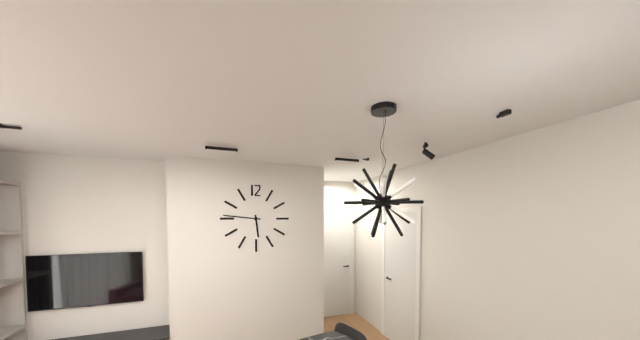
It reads **5:46**
